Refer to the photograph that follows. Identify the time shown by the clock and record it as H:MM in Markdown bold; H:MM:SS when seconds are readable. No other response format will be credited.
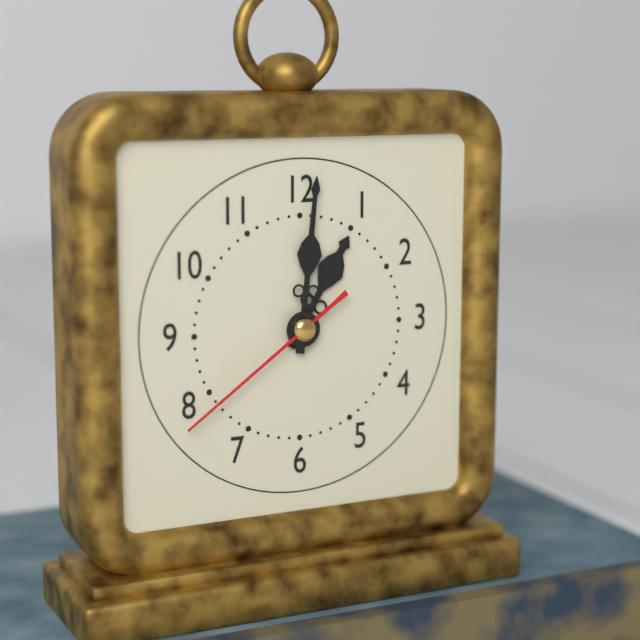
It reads **1:01:39**
